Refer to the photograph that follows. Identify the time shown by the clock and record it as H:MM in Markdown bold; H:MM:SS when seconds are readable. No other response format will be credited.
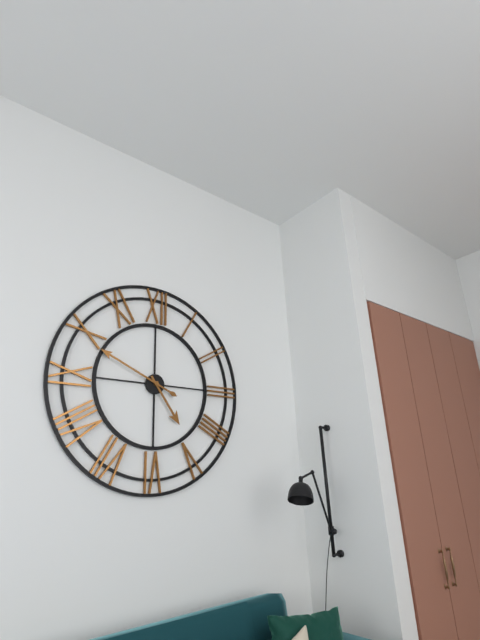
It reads **4:49**
